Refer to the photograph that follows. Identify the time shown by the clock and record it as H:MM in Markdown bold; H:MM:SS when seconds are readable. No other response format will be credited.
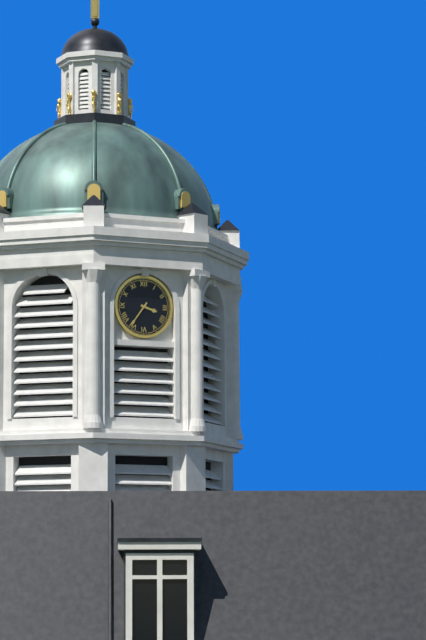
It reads **3:36**
